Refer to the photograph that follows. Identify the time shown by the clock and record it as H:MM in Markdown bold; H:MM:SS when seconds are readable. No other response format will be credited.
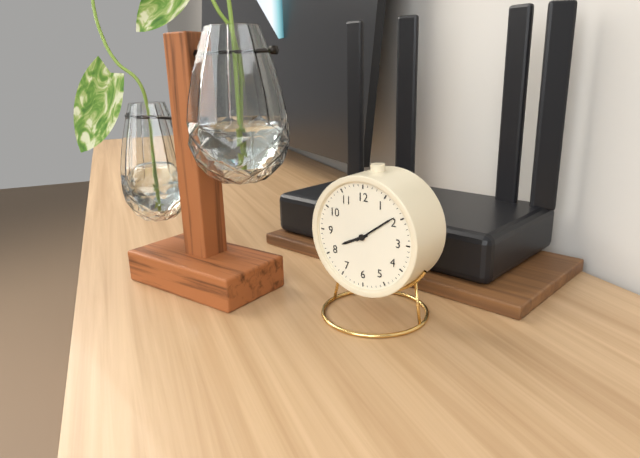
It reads **8:09**
